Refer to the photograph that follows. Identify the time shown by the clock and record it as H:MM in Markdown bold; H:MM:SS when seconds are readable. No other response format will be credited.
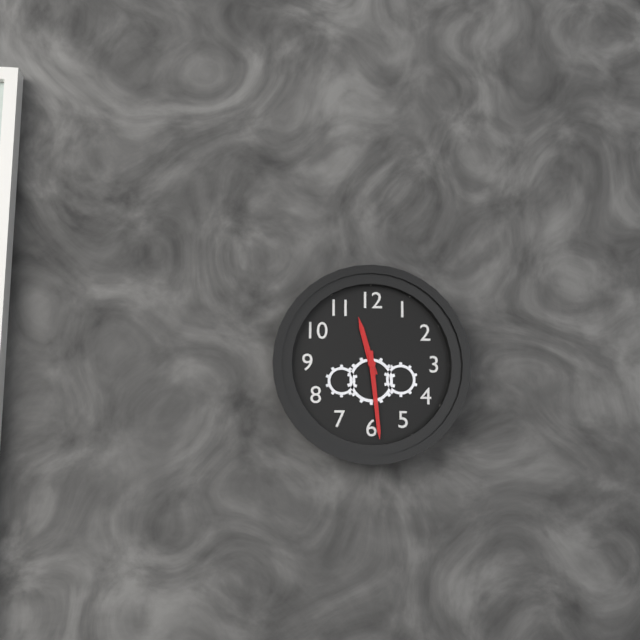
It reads **11:29**
